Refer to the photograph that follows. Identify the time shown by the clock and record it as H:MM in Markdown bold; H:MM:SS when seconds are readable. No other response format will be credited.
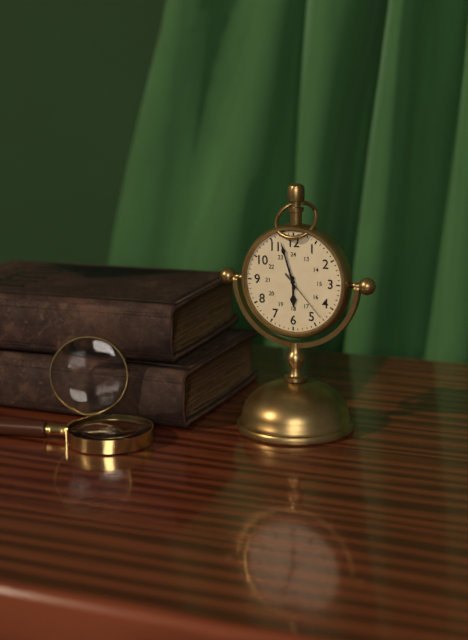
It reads **5:57:23**
